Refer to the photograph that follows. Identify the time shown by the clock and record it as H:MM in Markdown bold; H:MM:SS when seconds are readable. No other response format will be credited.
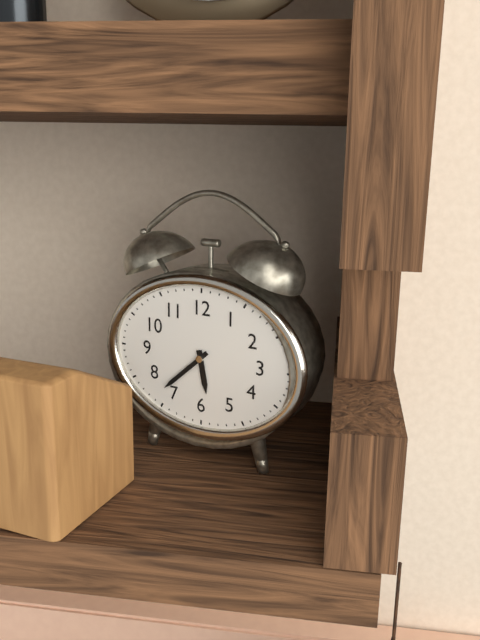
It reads **5:38**
